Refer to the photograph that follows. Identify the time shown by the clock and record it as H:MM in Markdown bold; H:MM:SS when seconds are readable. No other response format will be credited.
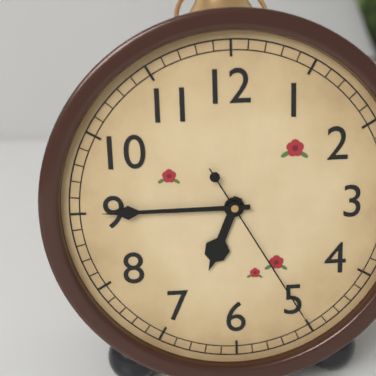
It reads **6:45:25**
